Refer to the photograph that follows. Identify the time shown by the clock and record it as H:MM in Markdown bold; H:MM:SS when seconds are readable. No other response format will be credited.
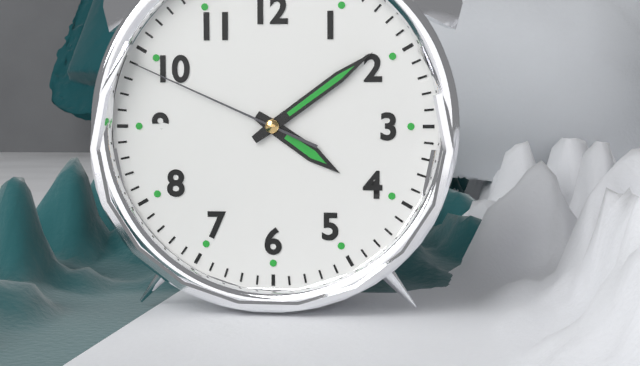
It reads **4:09:49**
